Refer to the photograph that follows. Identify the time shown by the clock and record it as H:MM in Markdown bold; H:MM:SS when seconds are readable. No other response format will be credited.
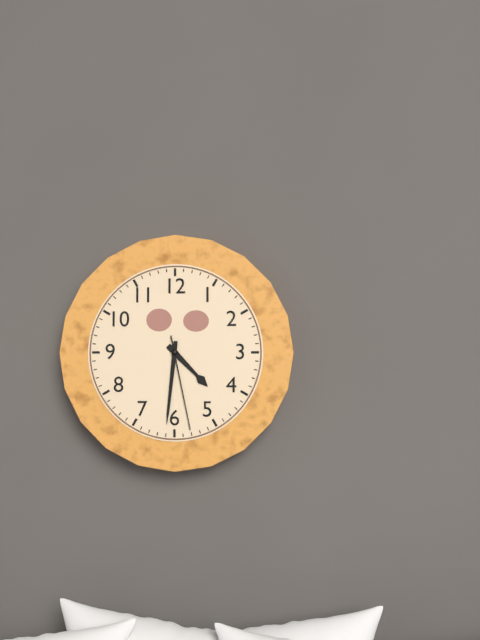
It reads **4:31:28**
